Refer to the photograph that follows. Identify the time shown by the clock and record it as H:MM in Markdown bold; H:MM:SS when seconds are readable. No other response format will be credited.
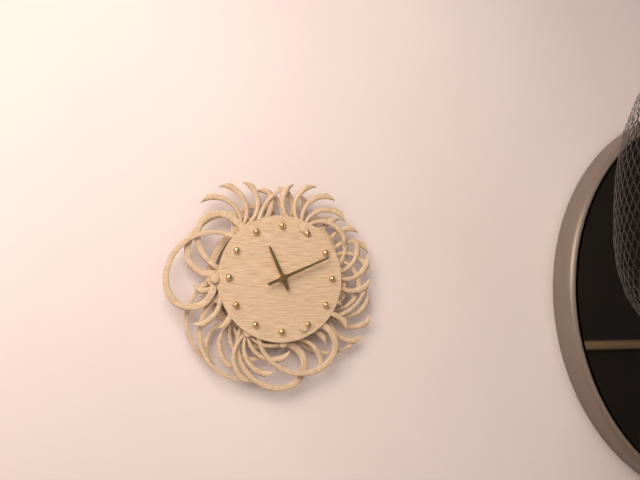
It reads **11:11**
